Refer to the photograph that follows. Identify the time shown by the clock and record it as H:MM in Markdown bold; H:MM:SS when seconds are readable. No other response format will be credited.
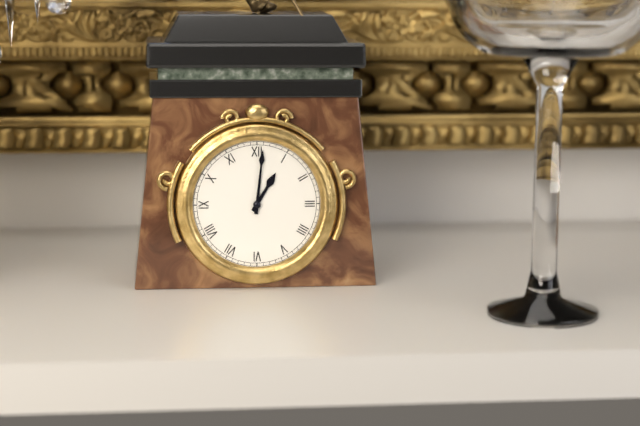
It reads **1:01**
